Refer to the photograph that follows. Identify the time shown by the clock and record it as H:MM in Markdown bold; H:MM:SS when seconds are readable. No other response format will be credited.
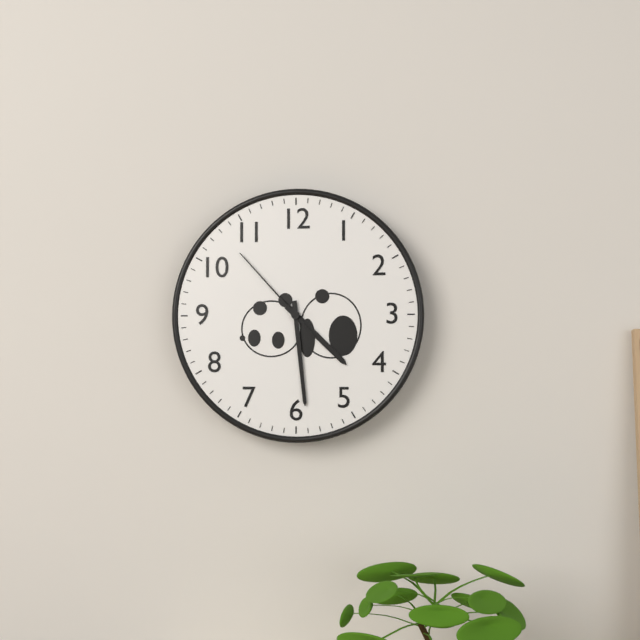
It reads **4:29:53**
